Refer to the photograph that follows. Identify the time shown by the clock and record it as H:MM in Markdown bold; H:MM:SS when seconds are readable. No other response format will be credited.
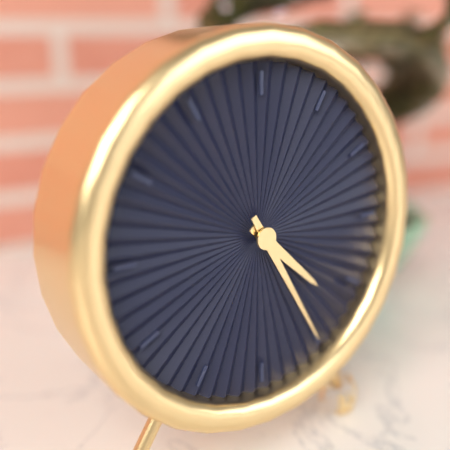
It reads **4:25**
